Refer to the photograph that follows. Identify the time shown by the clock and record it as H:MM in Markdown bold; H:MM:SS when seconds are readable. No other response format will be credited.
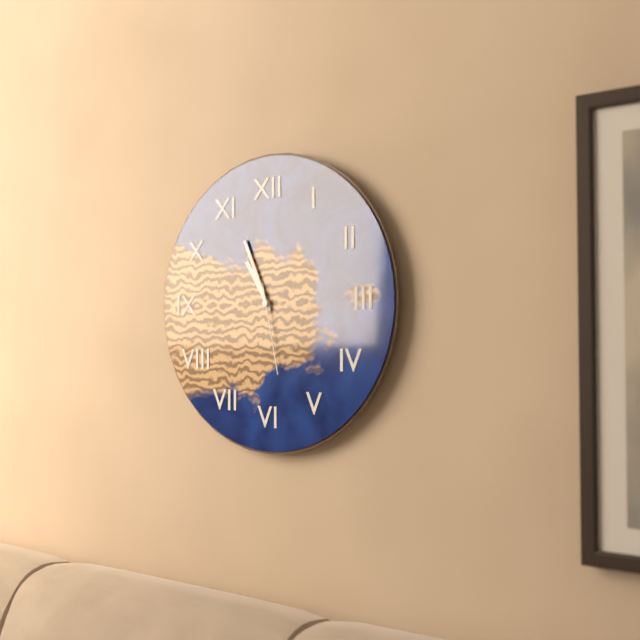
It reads **10:56:28**
